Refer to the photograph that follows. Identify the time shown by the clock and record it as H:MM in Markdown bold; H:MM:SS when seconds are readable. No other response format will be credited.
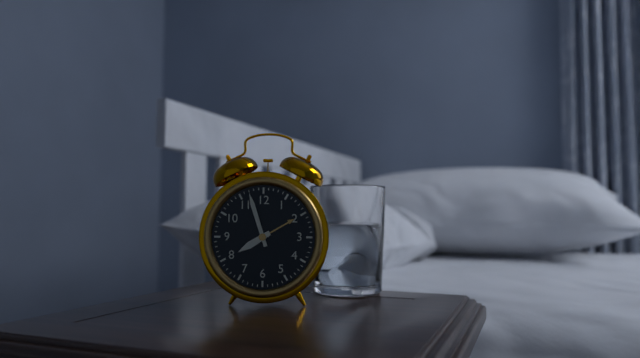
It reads **7:57**
